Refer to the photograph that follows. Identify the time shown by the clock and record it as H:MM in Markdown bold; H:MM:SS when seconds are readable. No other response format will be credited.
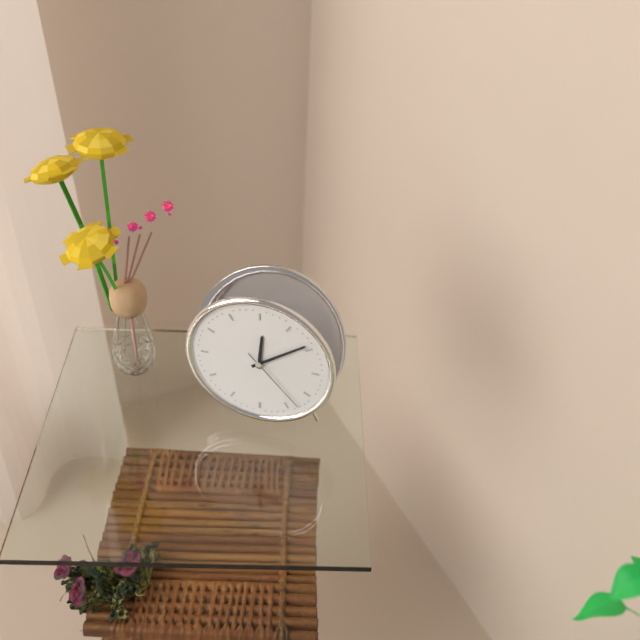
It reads **12:09:23**
